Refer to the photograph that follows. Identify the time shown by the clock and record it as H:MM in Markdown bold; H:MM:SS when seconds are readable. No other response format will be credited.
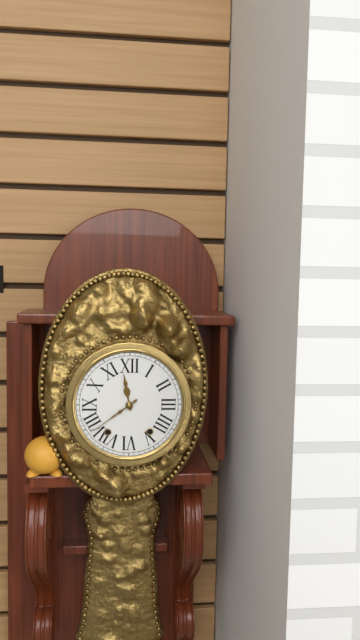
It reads **11:39**
